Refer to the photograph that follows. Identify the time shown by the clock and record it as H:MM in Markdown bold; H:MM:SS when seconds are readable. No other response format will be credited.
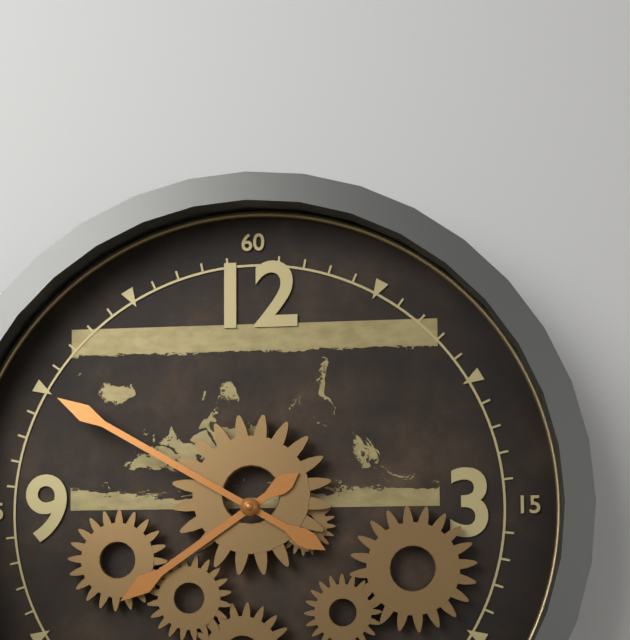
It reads **7:50**
